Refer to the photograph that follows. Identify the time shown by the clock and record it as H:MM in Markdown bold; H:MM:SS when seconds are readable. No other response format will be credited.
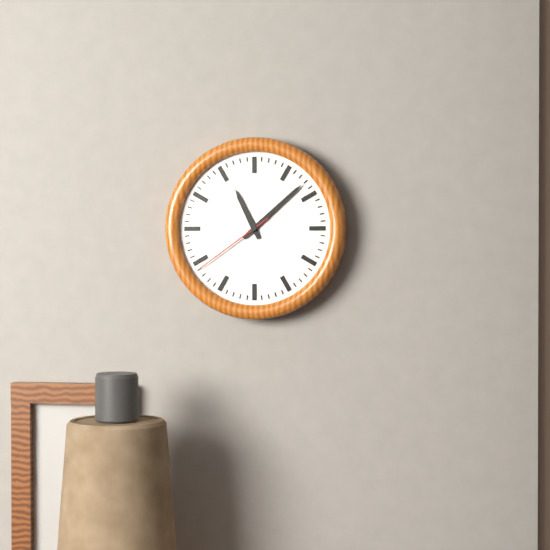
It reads **11:08:39**
